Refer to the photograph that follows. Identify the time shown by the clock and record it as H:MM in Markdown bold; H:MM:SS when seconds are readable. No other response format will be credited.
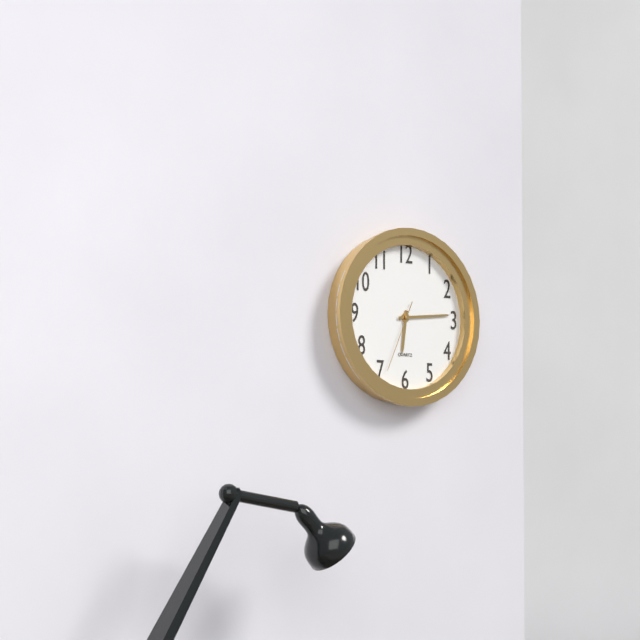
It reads **6:14:34**
